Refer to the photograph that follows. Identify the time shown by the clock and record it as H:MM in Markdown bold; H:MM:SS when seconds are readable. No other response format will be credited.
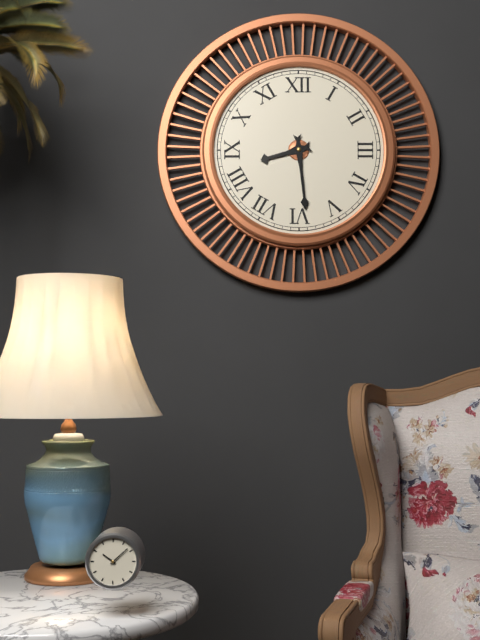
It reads **8:29**
